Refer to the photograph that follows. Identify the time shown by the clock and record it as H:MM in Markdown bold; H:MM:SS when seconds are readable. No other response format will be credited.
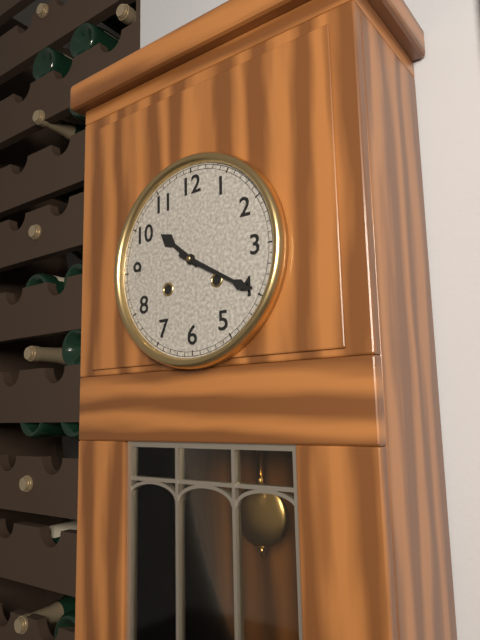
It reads **10:20**
